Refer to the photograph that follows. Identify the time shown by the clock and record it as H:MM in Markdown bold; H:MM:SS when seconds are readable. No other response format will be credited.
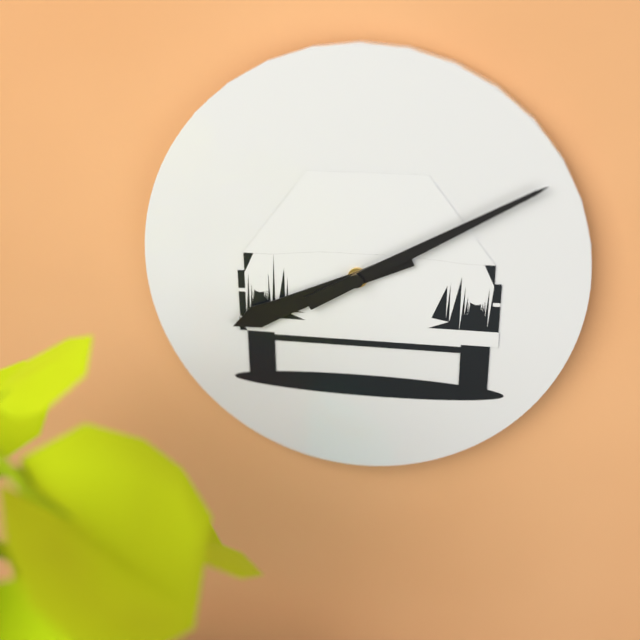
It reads **8:10**
